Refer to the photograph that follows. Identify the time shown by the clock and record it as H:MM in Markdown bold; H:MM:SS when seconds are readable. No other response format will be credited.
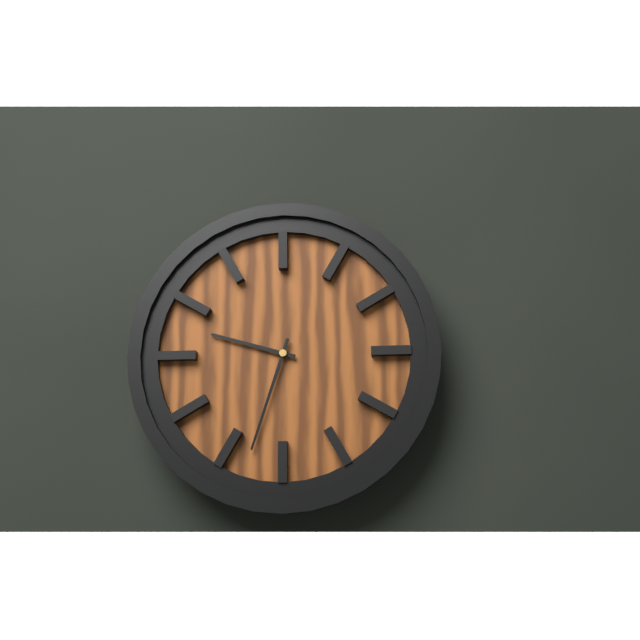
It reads **9:33**
